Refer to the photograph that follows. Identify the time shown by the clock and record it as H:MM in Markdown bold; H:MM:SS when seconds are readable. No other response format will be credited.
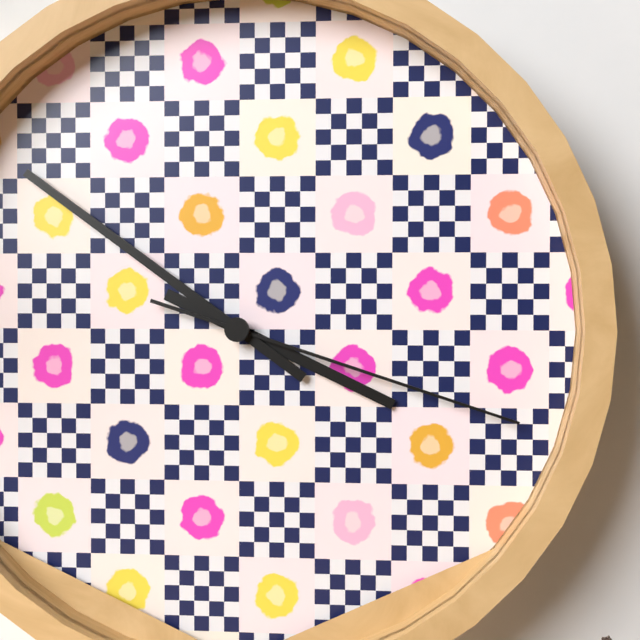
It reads **3:51:18**
